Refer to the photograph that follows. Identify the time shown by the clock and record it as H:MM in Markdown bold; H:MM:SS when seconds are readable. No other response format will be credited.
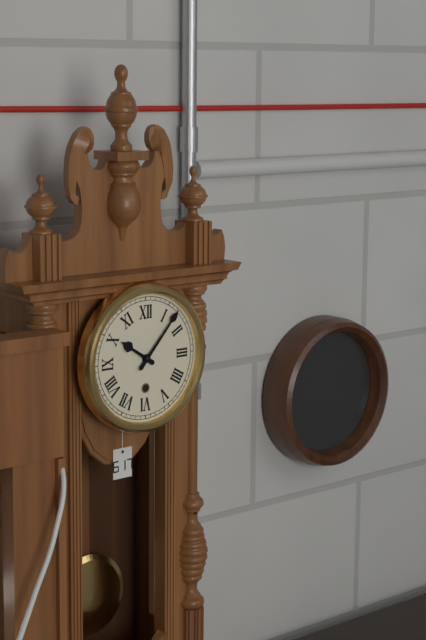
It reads **10:07**
